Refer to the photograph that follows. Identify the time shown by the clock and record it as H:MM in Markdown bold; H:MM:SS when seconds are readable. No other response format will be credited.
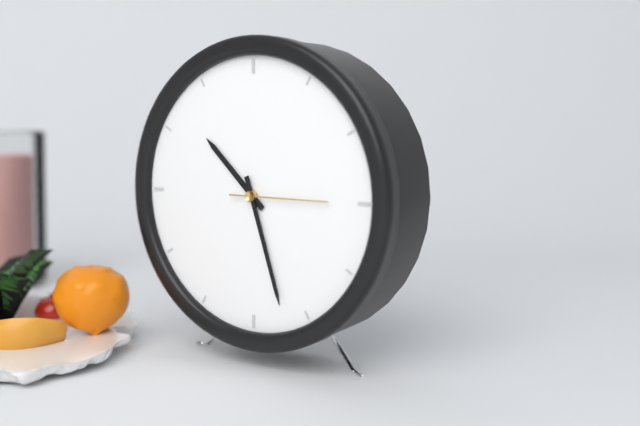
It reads **10:27:15**
